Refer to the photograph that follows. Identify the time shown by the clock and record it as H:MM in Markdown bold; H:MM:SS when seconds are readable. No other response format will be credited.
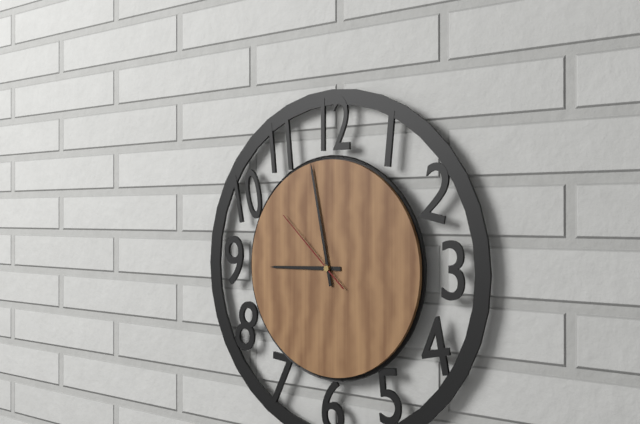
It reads **8:58:52**
